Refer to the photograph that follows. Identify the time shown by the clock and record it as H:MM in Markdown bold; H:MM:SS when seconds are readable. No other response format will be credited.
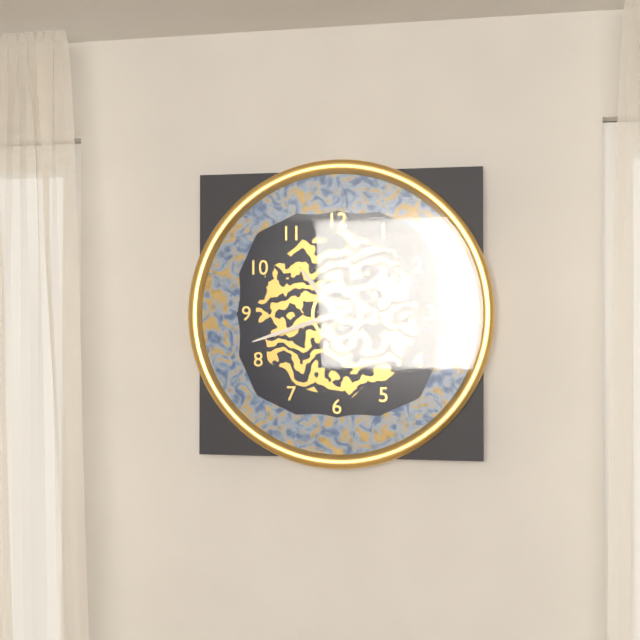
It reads **10:42**
